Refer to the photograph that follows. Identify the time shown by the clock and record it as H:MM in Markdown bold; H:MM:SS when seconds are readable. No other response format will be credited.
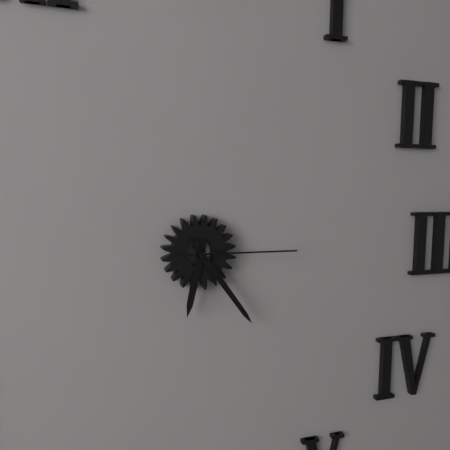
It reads **6:24:15**
